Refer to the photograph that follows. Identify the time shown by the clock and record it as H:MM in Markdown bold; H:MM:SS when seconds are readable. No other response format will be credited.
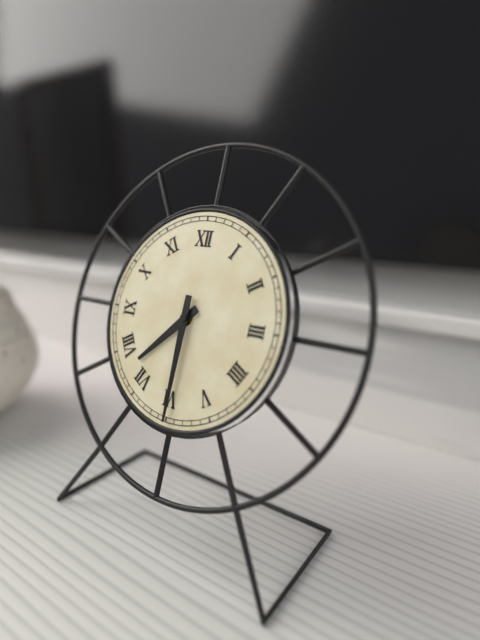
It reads **7:30**
